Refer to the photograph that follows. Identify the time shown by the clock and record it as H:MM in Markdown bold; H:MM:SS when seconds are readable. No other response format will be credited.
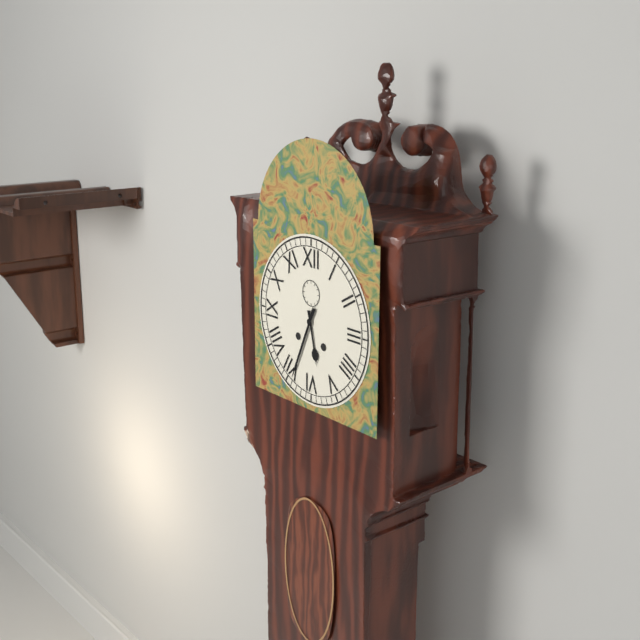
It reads **5:34**
